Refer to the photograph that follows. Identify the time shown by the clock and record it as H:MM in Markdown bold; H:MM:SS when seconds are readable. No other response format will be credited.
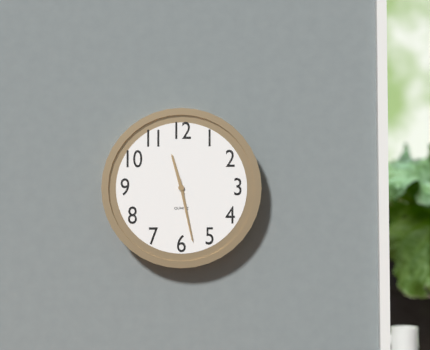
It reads **11:28**
